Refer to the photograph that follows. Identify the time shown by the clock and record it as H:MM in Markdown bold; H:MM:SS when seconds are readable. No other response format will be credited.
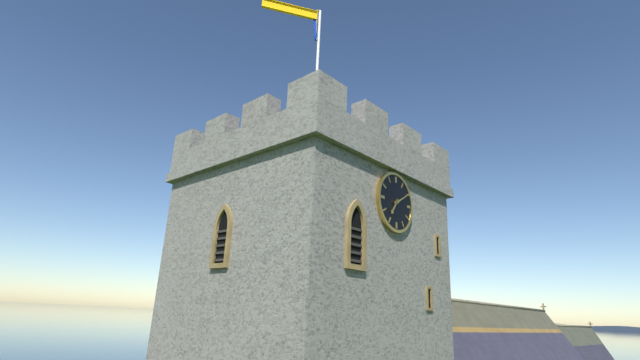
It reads **7:10**
